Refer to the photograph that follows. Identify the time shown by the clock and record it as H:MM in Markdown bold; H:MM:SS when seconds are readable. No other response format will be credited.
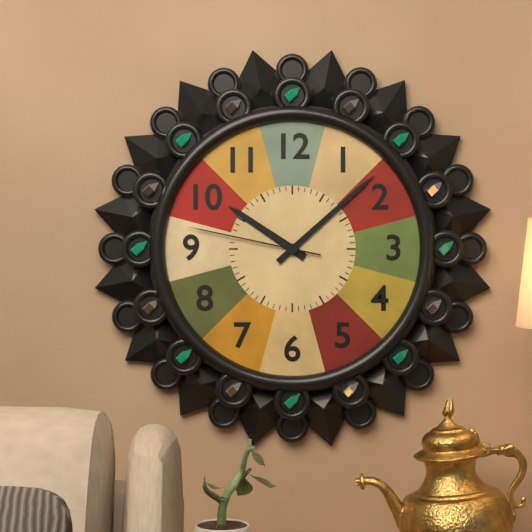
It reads **10:08:47**
